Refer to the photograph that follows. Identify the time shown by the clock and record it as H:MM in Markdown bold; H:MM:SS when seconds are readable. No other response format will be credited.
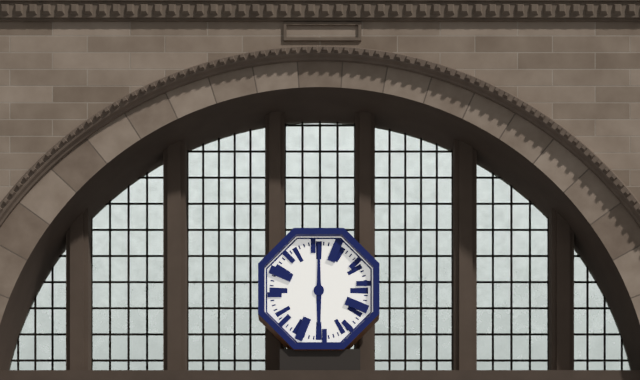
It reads **6:00**
